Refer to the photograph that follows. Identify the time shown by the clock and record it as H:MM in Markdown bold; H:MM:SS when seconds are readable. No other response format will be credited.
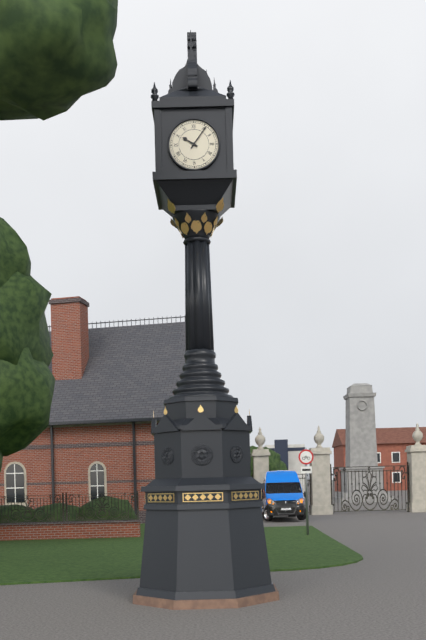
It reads **10:06**
